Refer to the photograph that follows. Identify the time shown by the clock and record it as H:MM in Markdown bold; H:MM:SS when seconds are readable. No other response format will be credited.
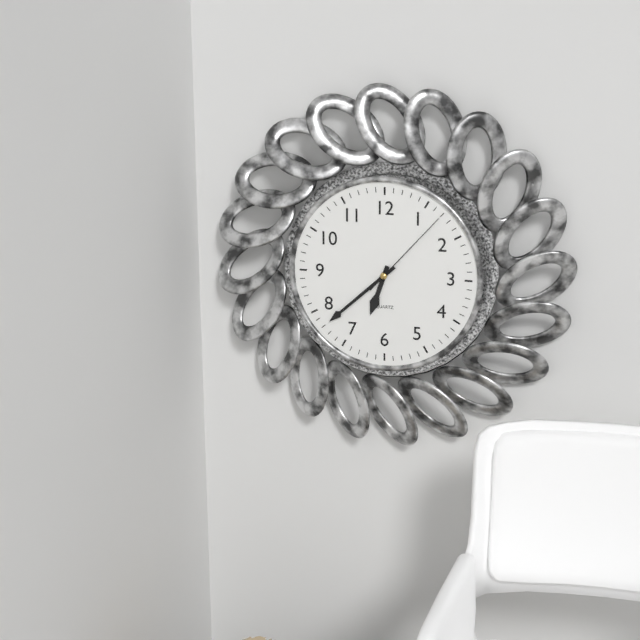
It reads **6:38:07**
